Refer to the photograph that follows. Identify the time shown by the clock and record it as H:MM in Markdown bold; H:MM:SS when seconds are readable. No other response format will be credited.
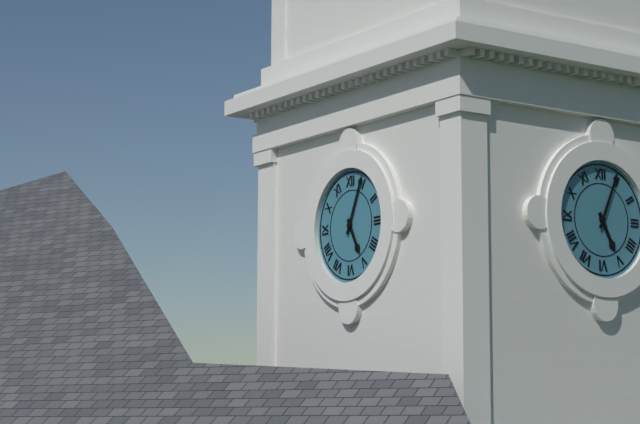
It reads **5:04**
